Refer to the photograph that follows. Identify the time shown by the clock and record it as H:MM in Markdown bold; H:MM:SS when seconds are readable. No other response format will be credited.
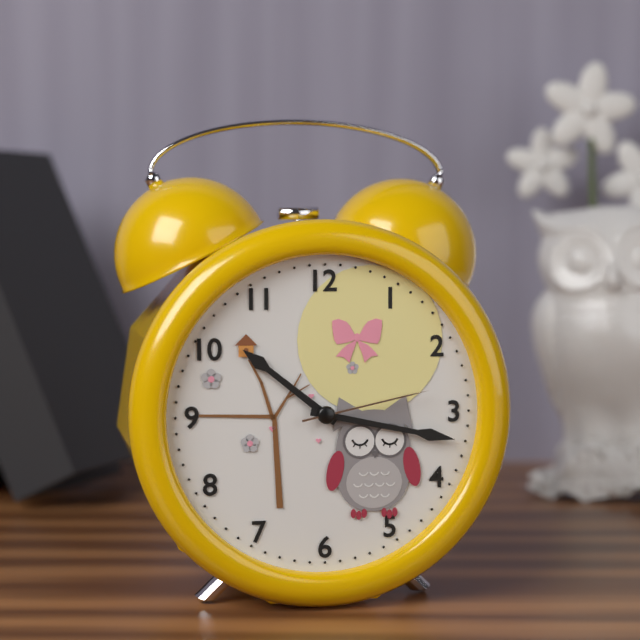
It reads **10:17:13**
